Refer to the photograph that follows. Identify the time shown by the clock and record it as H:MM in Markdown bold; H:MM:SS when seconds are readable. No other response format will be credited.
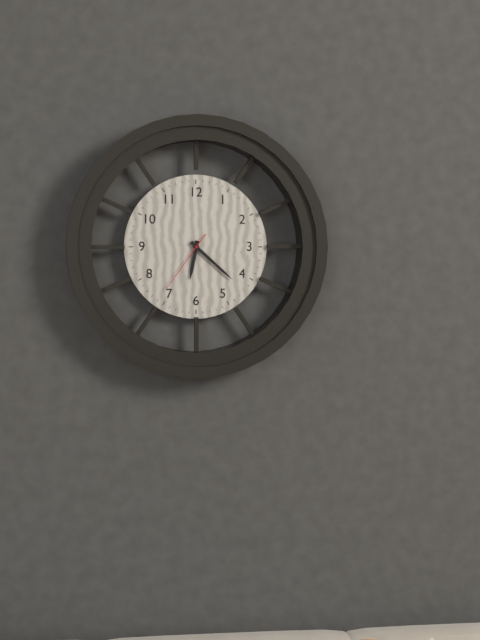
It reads **6:22:36**
